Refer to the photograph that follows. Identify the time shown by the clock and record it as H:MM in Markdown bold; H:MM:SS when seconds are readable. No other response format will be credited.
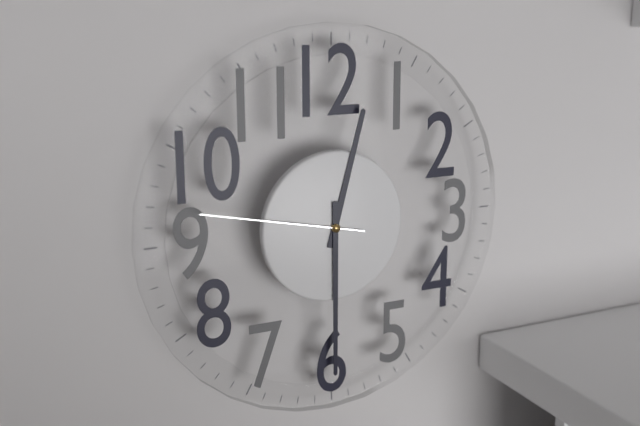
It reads **12:30:47**
